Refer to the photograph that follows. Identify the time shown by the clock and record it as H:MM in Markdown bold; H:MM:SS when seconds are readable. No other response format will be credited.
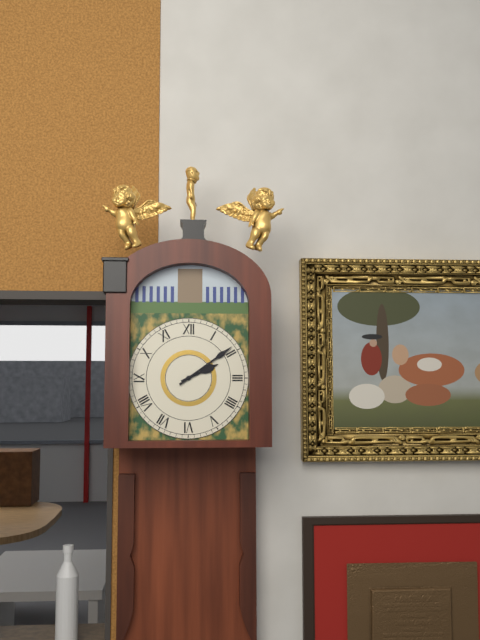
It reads **2:09**
